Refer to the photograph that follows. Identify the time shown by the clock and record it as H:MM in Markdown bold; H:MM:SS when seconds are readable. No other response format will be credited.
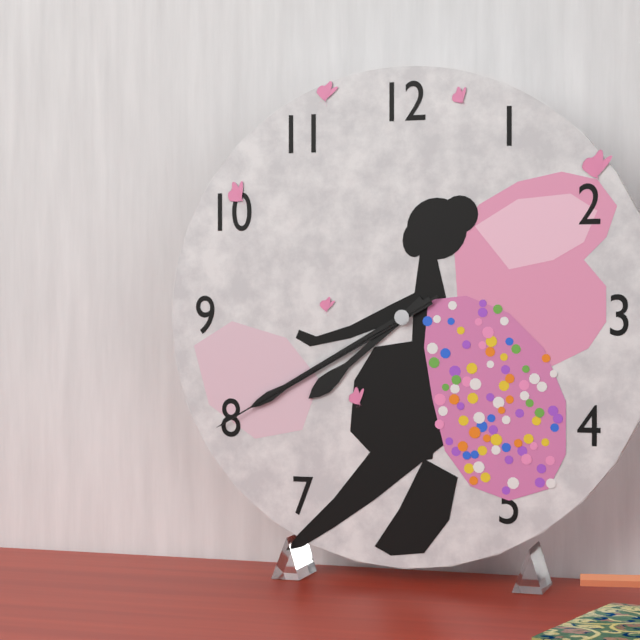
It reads **7:40:40**
